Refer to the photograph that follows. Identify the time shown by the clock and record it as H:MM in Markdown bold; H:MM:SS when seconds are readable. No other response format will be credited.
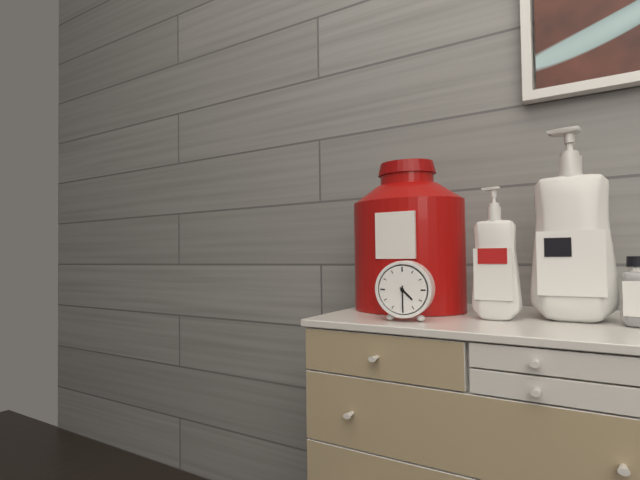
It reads **4:30**
